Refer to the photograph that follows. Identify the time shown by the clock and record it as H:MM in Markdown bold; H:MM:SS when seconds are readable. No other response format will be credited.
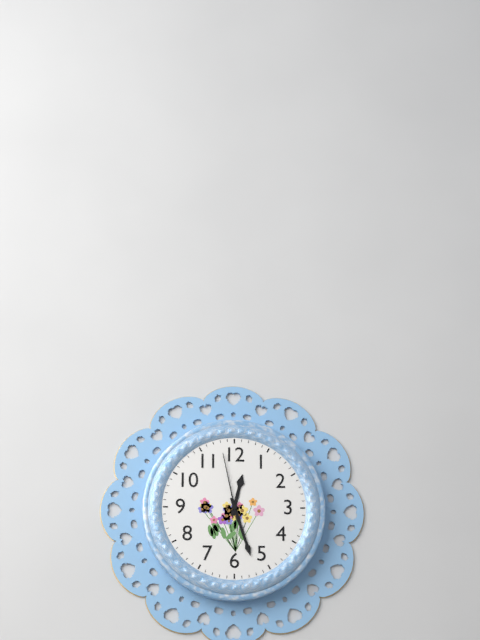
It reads **12:27:58**
